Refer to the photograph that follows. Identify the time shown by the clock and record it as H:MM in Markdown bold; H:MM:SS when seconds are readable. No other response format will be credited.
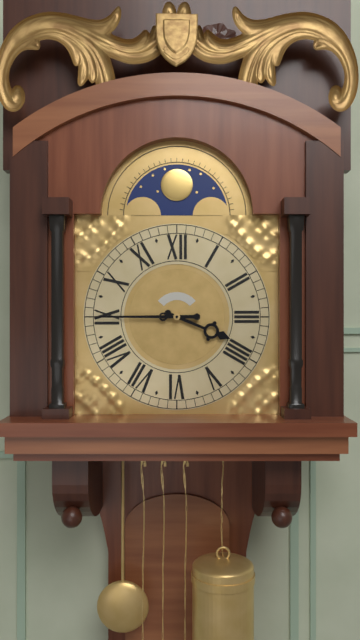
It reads **3:45**
